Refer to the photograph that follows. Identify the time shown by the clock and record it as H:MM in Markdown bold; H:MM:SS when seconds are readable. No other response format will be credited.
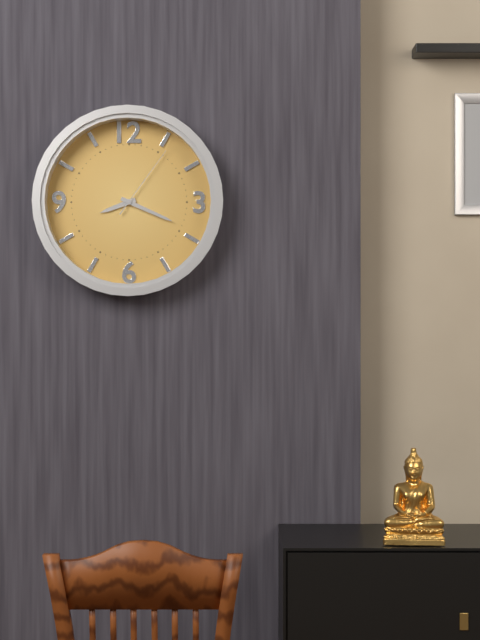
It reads **8:19:06**
